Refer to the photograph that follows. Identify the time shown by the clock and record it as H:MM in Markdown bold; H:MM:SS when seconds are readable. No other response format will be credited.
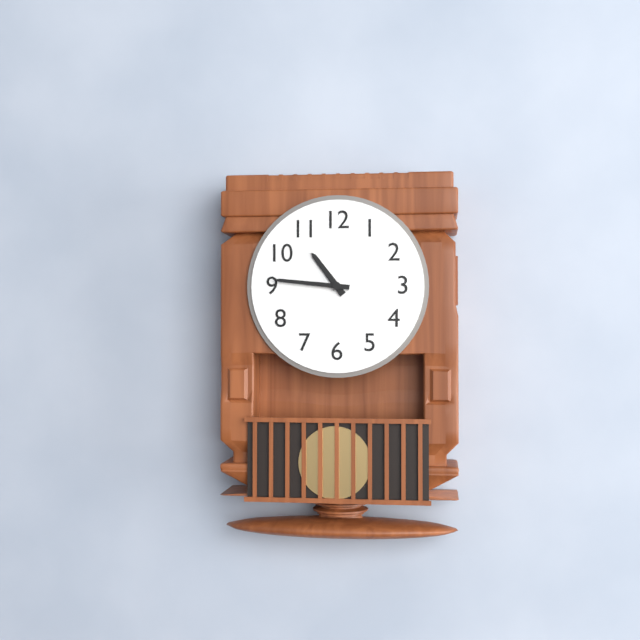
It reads **10:46**
